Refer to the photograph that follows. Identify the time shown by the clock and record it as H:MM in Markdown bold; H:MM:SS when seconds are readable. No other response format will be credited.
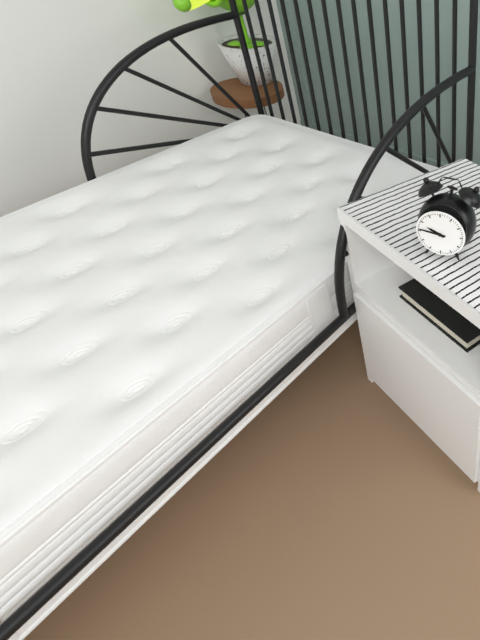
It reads **9:46**
